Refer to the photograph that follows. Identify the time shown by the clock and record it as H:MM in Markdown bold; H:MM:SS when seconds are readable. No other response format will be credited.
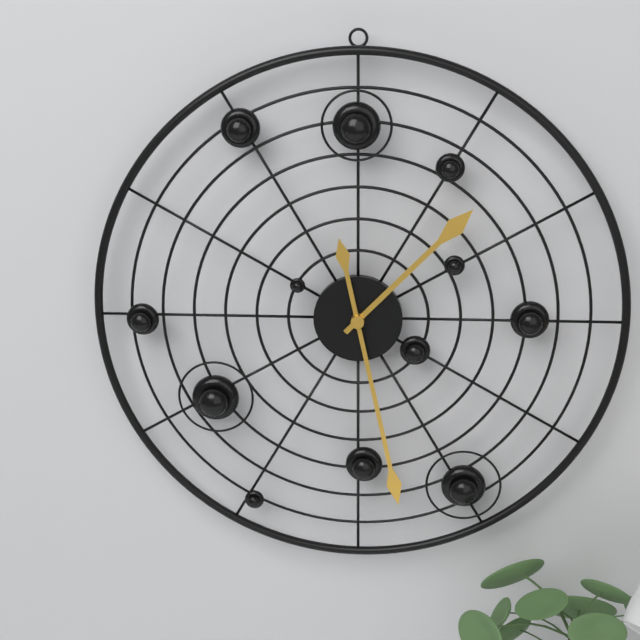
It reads **1:28**
